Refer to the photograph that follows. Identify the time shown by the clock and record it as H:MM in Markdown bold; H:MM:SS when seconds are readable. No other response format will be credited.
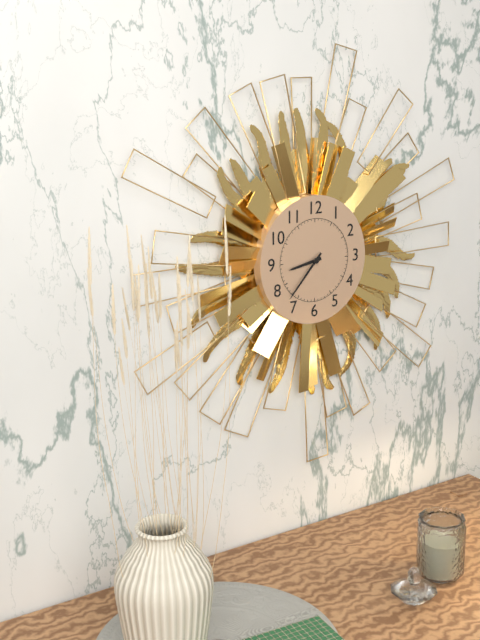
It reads **8:37**
